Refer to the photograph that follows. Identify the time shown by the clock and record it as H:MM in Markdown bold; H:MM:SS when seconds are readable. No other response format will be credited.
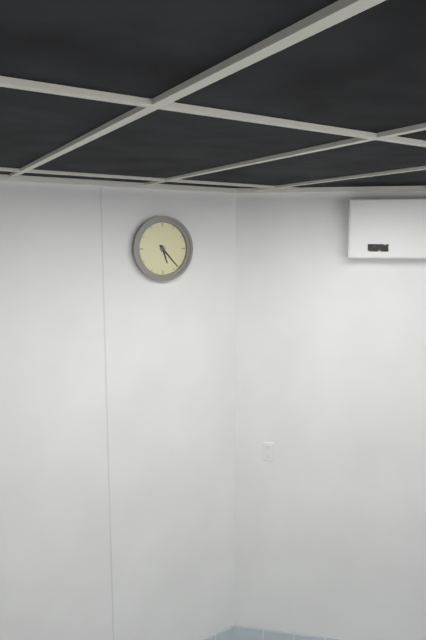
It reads **5:23**
